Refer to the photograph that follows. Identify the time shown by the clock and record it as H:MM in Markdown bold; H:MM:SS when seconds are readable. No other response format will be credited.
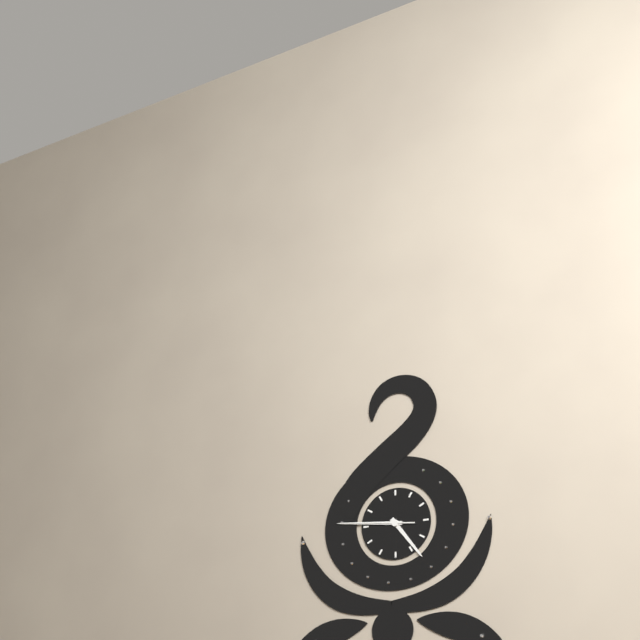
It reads **4:46:46**
